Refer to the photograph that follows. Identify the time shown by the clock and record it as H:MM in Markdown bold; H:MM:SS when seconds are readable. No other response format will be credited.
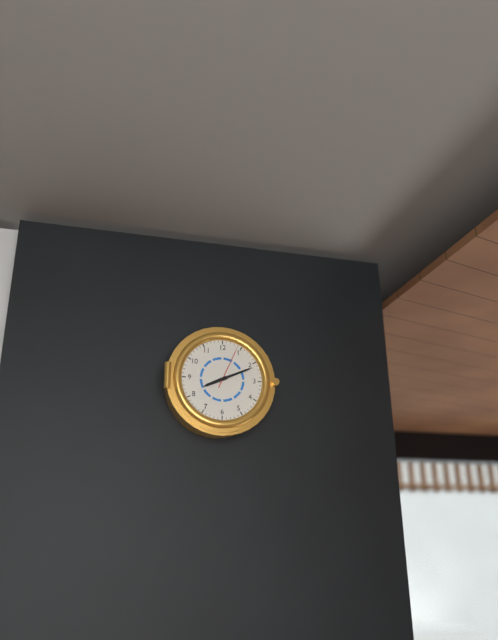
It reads **8:11**
